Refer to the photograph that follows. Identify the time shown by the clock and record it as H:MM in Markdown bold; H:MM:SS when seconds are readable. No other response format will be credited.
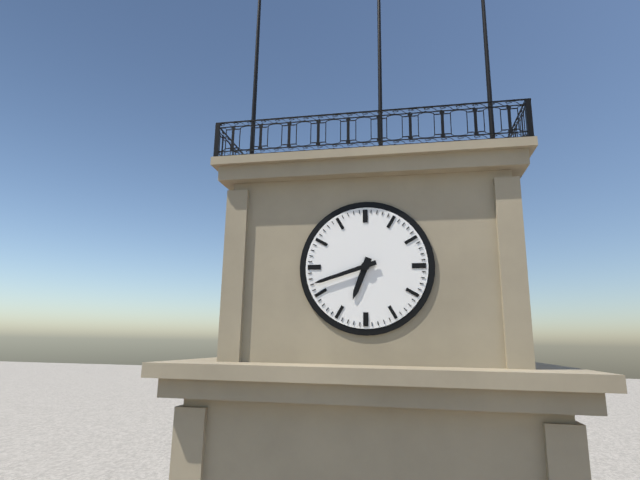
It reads **6:42**
